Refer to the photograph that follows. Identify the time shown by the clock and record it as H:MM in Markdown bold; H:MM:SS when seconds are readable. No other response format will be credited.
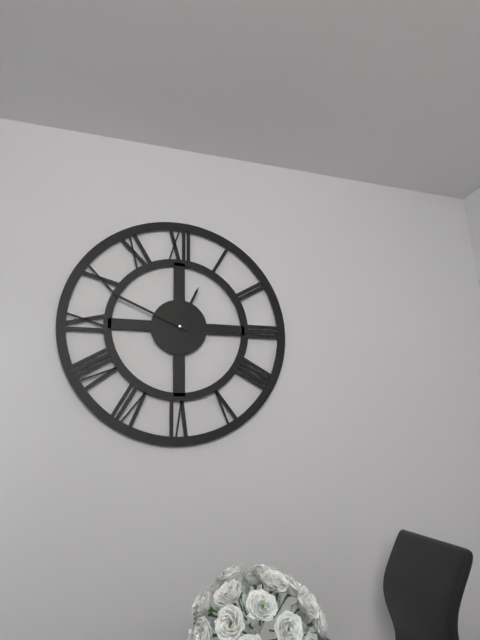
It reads **12:49**
